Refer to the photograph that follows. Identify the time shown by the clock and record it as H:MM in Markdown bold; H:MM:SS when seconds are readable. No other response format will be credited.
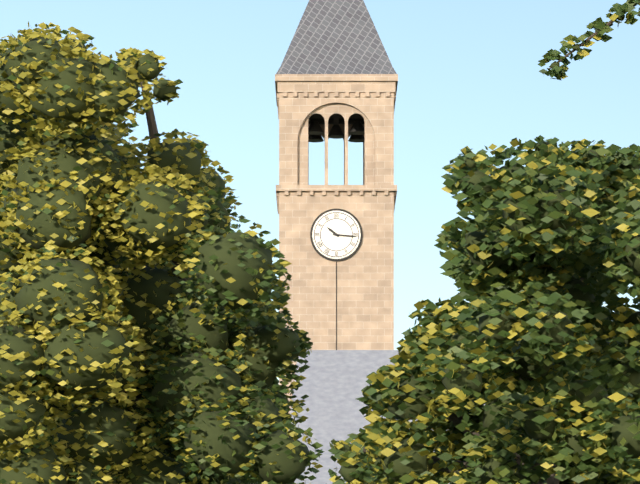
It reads **10:16**
